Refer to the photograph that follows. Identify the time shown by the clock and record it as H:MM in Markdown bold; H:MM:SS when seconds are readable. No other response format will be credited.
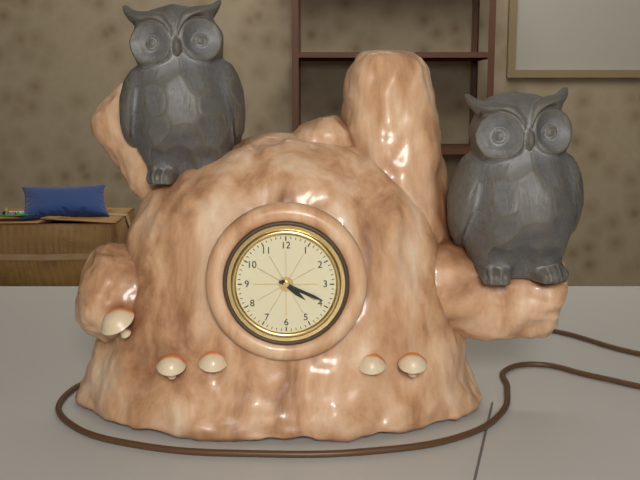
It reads **4:19**
